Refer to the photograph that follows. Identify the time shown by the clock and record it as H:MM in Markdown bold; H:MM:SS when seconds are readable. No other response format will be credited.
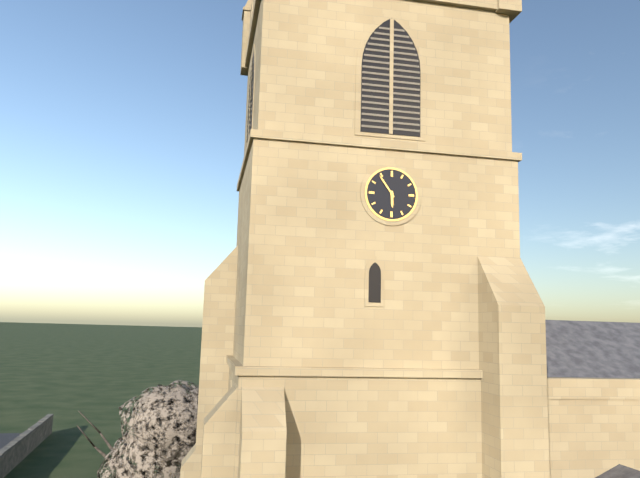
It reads **5:54**
